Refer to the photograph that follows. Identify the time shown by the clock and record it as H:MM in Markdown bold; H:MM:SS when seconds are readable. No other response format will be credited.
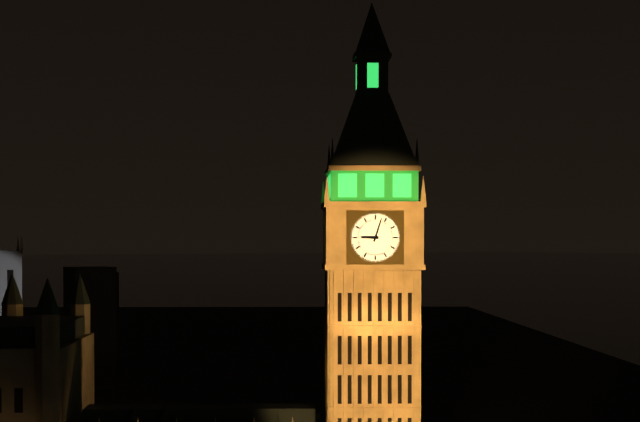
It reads **9:03**
